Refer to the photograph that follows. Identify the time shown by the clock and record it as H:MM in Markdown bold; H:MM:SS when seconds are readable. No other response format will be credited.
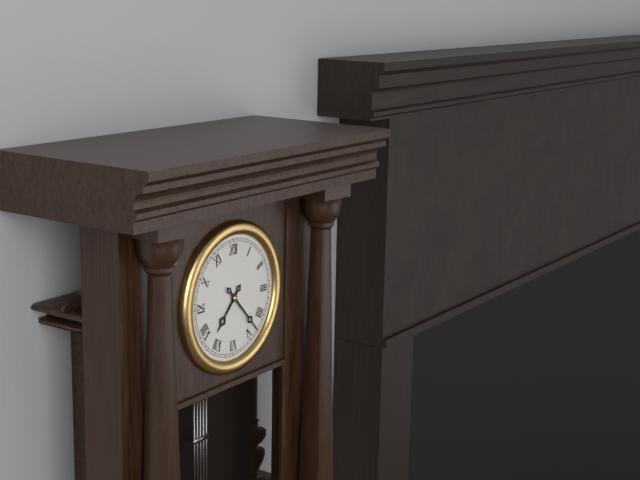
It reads **7:23**
